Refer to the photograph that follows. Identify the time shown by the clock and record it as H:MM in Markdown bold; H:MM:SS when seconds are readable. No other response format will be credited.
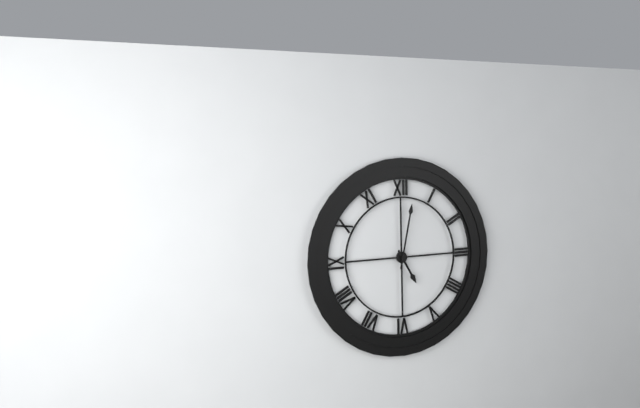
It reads **5:02**
